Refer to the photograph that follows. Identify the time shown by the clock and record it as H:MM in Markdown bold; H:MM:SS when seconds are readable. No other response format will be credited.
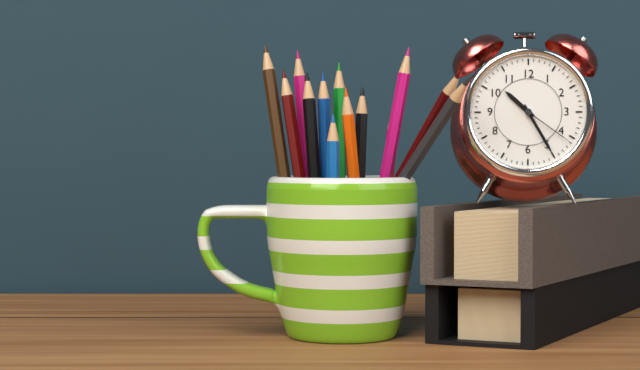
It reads **10:25:21**
